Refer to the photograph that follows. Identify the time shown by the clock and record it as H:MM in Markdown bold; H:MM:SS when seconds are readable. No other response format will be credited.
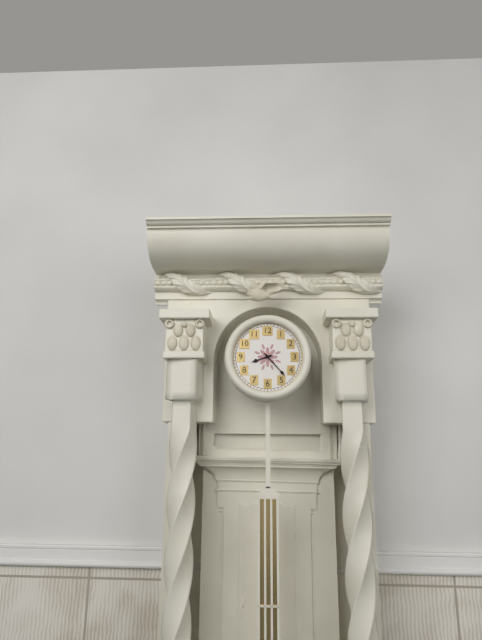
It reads **8:23**
